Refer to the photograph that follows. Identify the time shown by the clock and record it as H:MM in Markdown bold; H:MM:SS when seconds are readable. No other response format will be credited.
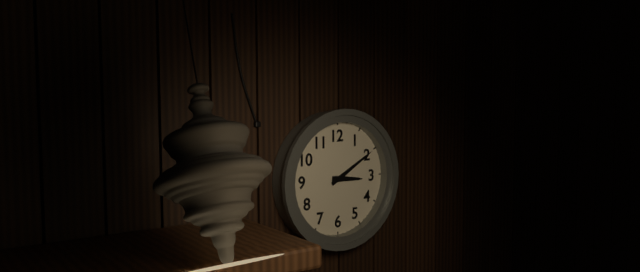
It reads **3:10**
